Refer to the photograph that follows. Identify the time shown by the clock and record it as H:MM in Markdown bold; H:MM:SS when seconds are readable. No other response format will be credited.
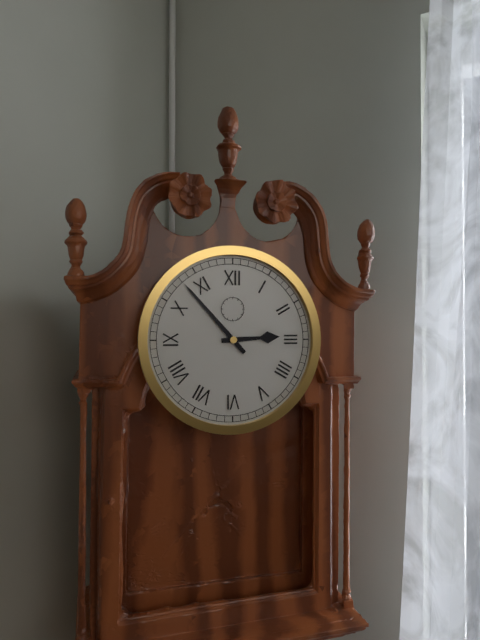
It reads **2:53**
